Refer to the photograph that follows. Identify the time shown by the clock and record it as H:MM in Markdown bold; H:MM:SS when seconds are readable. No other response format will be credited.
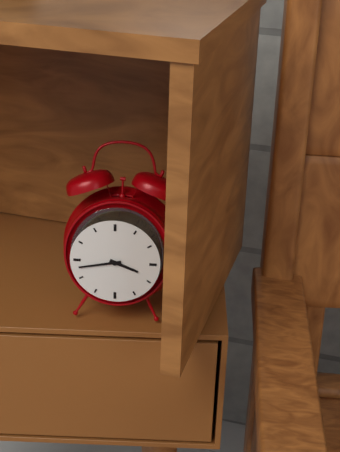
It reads **3:43**
